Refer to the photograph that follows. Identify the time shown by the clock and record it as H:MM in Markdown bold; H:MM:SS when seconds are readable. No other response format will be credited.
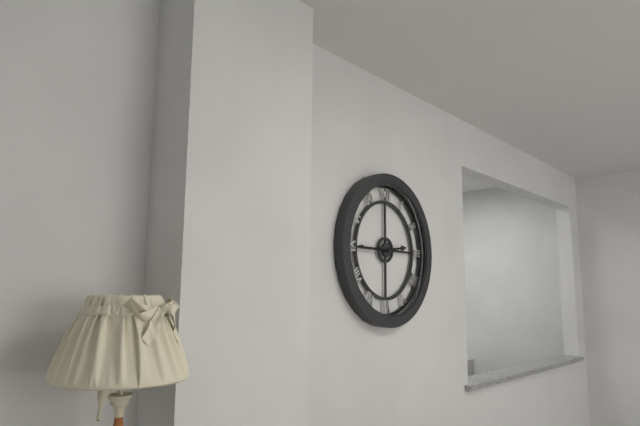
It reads **2:45**
